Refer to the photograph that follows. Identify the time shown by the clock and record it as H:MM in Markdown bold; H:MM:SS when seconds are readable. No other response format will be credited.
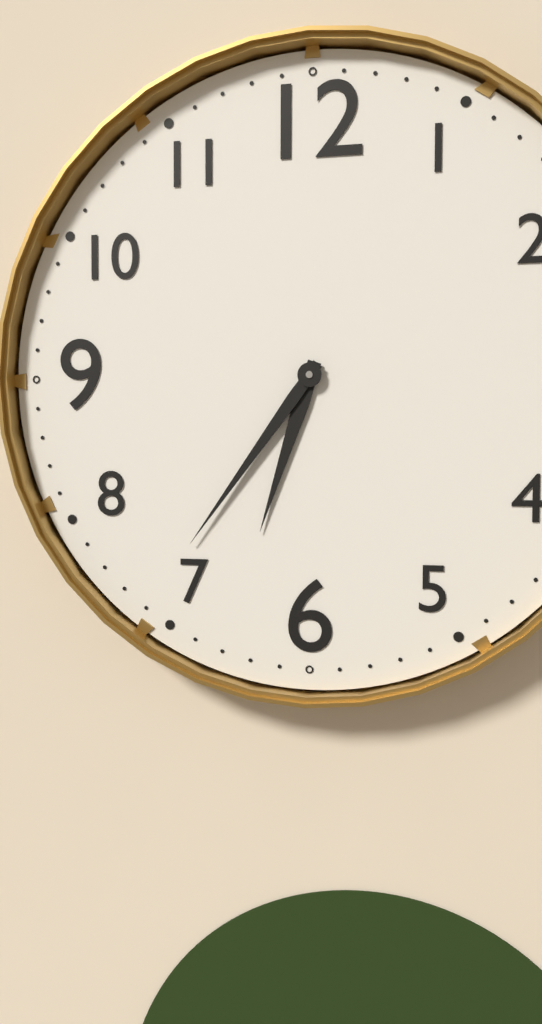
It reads **6:36**
